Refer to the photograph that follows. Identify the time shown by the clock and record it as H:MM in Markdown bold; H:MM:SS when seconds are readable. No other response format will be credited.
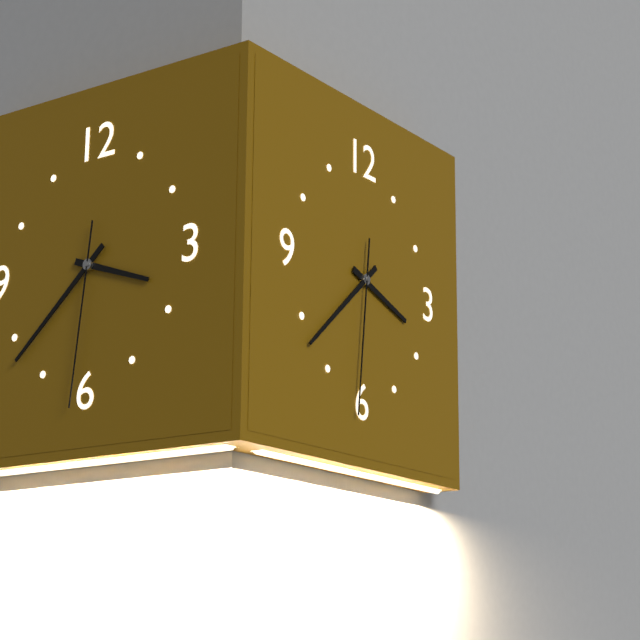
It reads **3:38:31**
